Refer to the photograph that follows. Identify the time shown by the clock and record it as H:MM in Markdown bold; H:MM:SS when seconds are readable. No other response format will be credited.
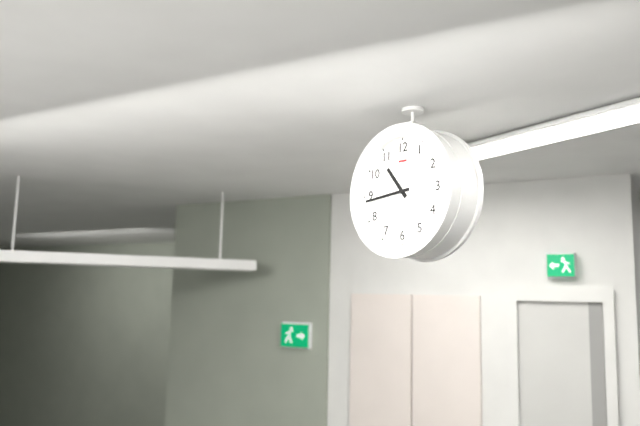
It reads **10:44**
